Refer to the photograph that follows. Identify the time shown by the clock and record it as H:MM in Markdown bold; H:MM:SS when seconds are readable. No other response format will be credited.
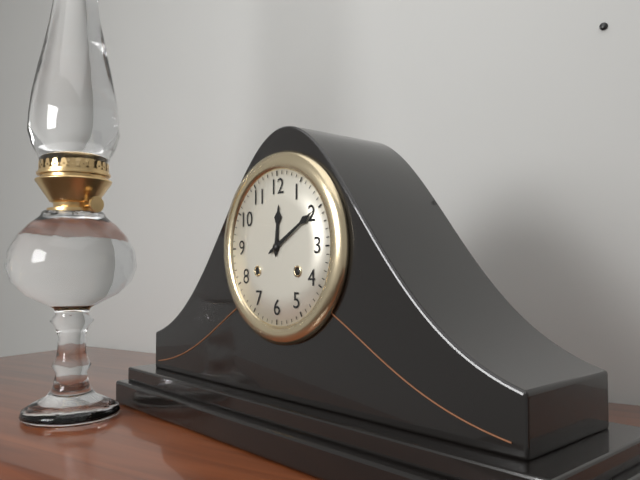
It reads **12:10**
